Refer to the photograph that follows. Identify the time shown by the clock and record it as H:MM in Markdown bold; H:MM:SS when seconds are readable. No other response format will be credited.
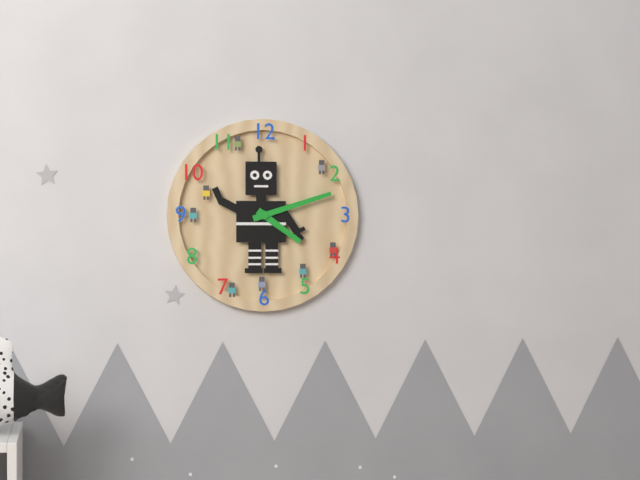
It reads **4:12**
